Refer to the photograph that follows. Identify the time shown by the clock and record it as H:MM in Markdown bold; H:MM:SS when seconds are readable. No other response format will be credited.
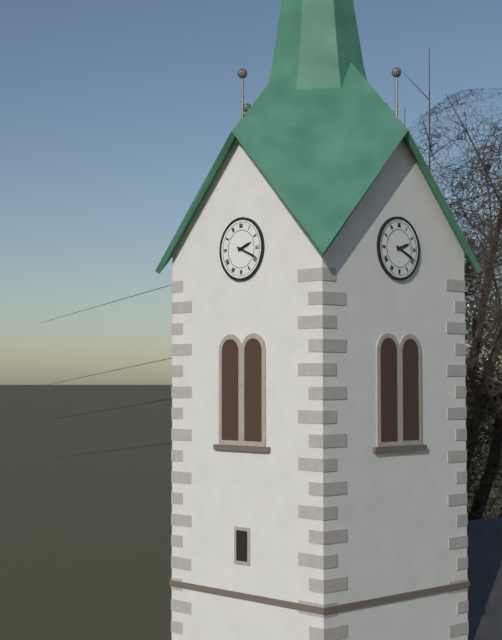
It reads **2:19**
